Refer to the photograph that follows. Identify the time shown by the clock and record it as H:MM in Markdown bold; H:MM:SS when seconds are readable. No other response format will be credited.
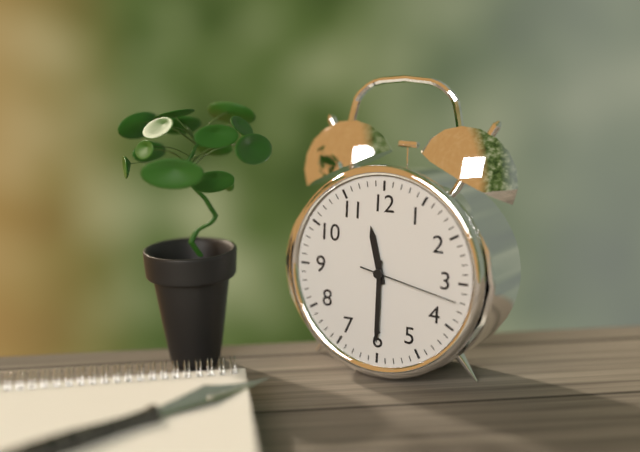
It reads **11:30:17**
